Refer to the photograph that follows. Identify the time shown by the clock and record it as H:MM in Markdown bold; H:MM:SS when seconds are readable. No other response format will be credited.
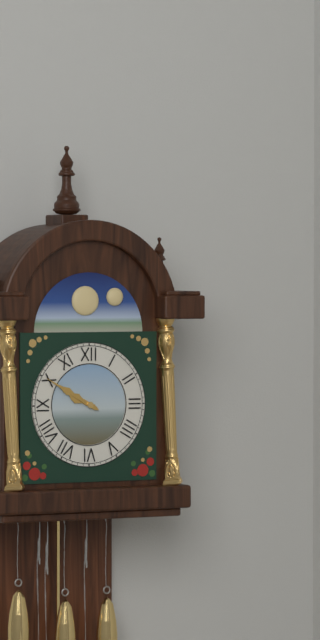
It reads **9:50**
